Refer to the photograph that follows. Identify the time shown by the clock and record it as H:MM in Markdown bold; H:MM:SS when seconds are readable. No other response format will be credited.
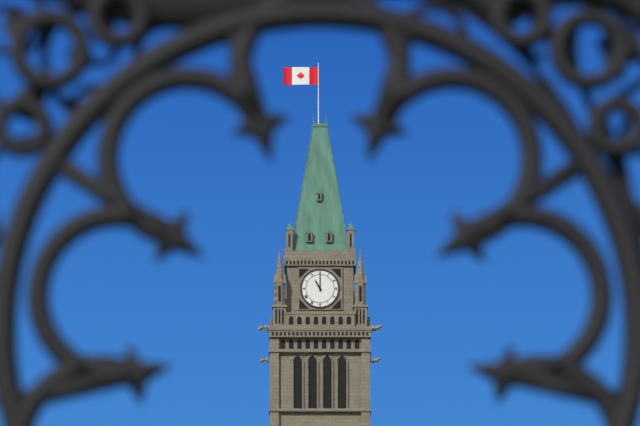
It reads **11:00**
